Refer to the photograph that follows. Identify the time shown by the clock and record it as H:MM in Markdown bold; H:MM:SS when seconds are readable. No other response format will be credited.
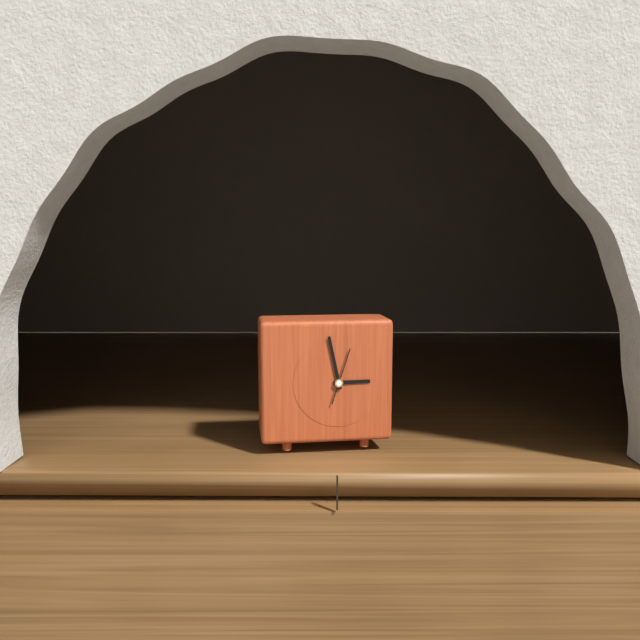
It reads **2:58**
